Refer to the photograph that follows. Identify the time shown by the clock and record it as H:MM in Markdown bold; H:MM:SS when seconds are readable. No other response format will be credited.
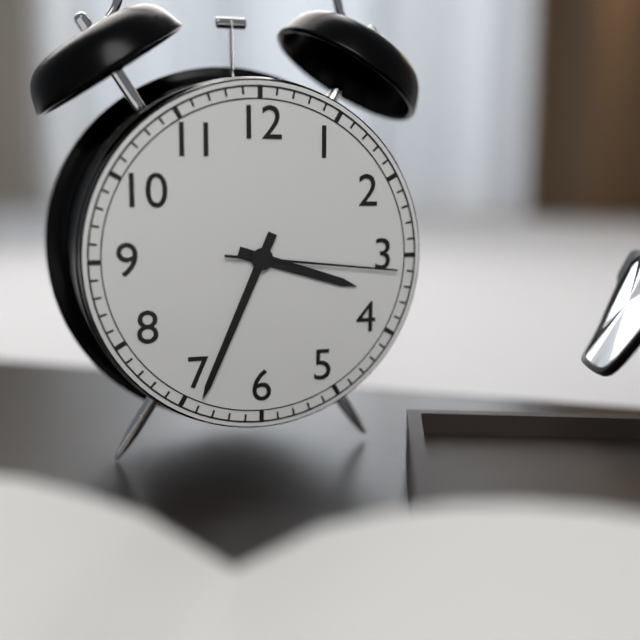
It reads **3:34:16**
